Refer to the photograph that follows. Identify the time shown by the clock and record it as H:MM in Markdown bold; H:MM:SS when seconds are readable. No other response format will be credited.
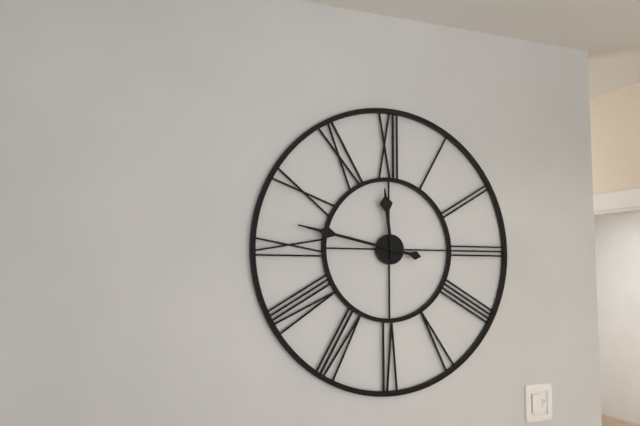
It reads **11:47**
